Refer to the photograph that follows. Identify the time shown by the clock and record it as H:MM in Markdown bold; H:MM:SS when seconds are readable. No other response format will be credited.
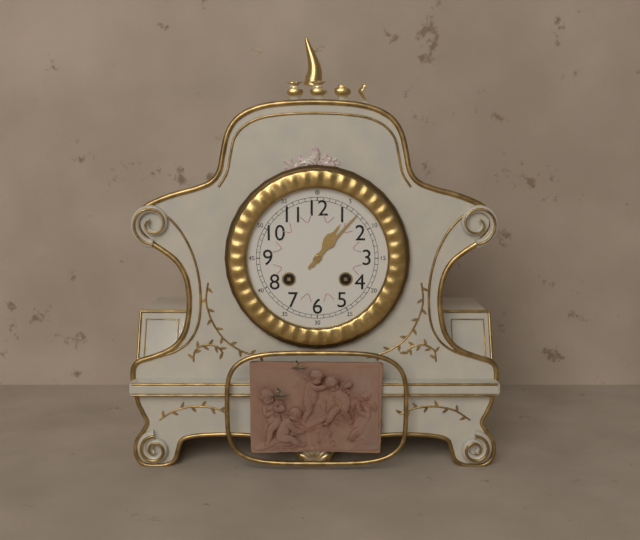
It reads **1:07**
